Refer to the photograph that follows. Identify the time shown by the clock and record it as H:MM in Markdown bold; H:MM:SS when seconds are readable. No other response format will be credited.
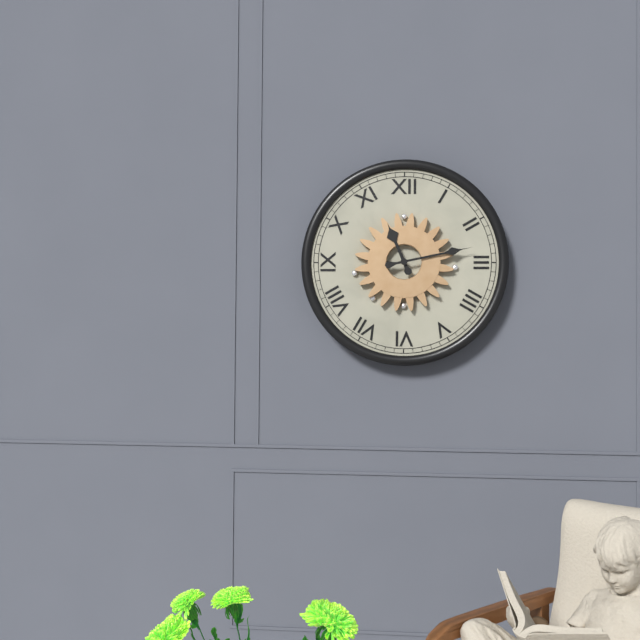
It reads **11:13**
